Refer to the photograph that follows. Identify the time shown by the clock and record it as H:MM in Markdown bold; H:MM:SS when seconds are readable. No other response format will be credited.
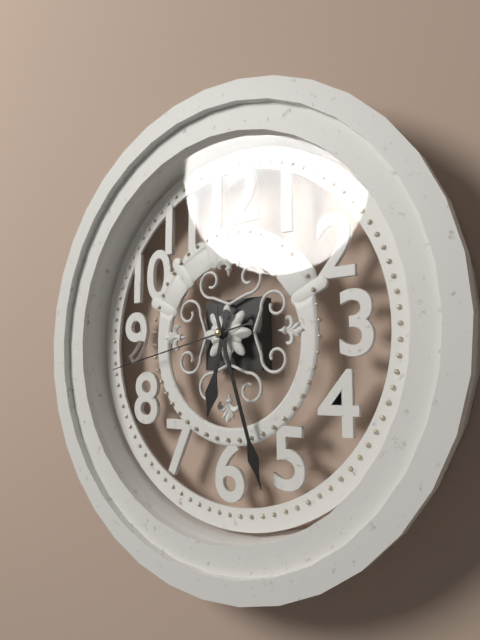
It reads **6:27:43**
